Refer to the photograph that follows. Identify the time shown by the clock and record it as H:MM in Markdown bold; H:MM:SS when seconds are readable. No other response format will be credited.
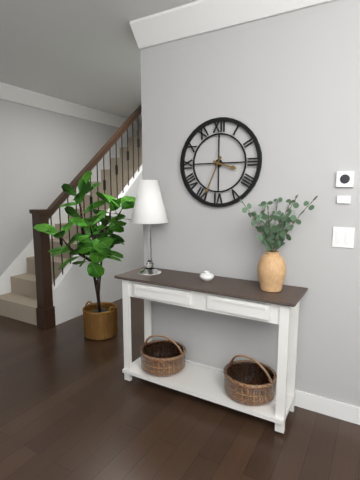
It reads **3:34**
